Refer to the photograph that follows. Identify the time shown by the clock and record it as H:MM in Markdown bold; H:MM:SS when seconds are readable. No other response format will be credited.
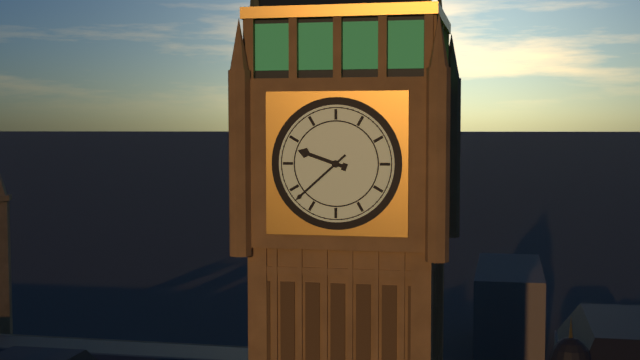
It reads **9:38**
